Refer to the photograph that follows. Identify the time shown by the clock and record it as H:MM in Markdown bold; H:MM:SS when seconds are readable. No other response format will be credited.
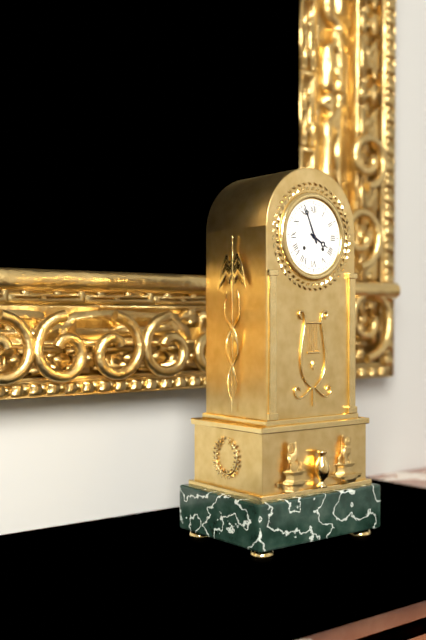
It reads **3:56**
